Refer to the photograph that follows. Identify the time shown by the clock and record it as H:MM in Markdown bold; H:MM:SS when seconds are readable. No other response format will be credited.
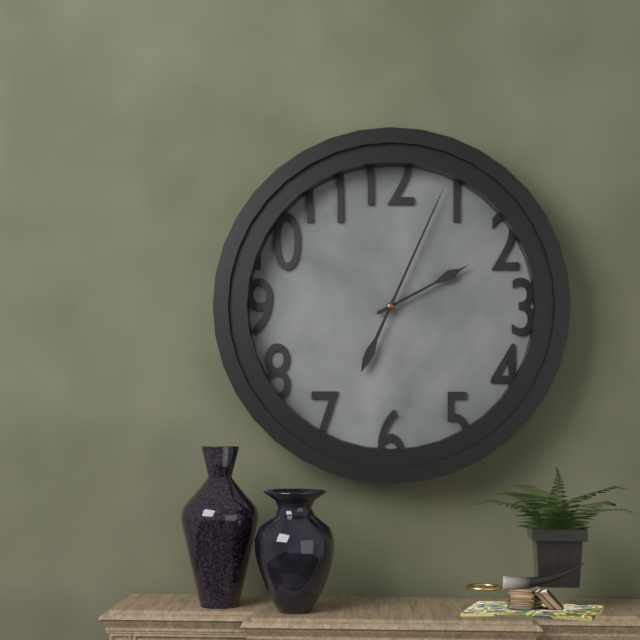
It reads **2:04**
